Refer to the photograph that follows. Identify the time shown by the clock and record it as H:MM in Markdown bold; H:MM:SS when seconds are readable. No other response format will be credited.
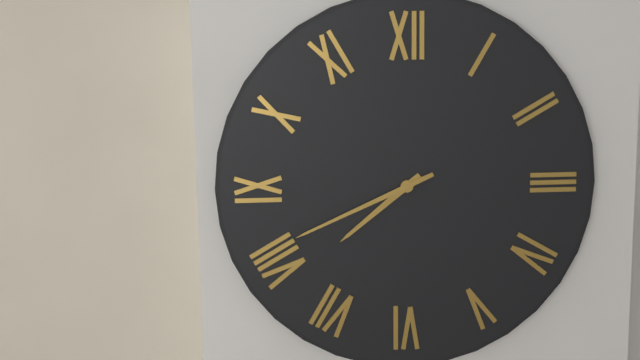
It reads **7:41**
